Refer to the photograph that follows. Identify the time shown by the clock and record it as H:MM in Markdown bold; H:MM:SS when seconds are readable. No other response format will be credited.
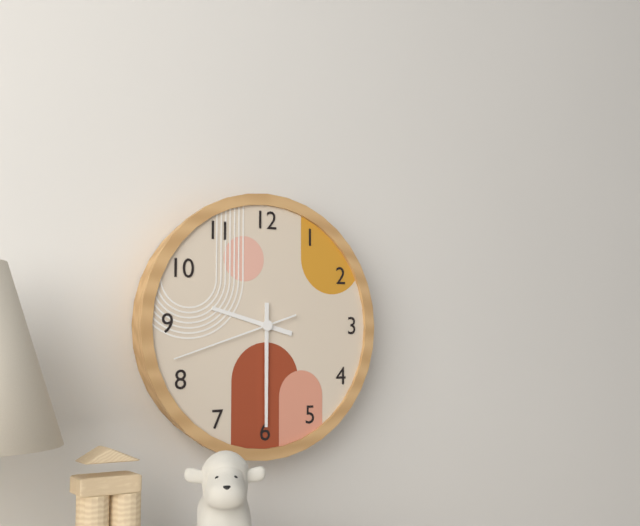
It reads **9:30:42**
